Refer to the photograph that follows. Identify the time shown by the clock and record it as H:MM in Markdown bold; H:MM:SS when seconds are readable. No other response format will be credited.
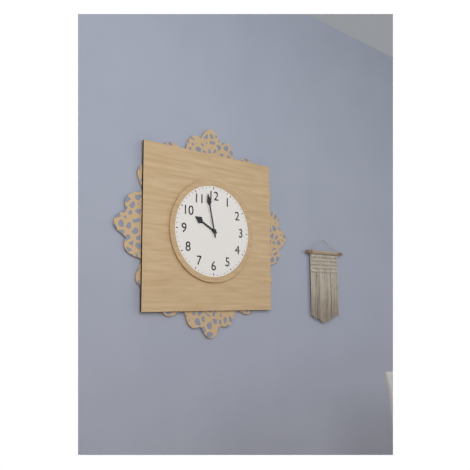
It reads **9:58**
